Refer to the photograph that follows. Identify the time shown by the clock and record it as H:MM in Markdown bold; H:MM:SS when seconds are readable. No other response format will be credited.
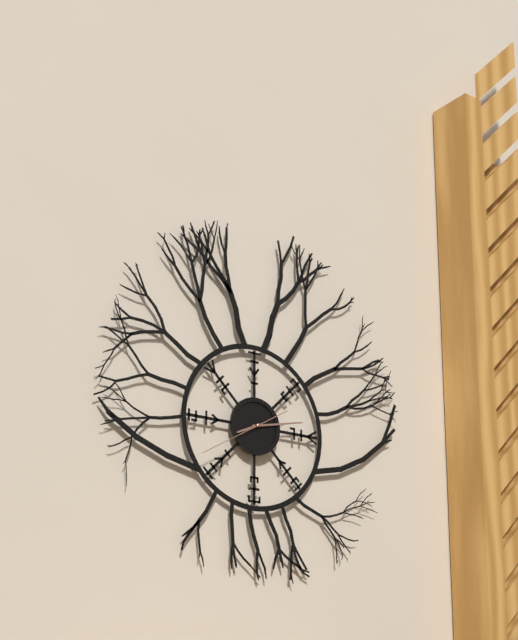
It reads **8:13:40**
